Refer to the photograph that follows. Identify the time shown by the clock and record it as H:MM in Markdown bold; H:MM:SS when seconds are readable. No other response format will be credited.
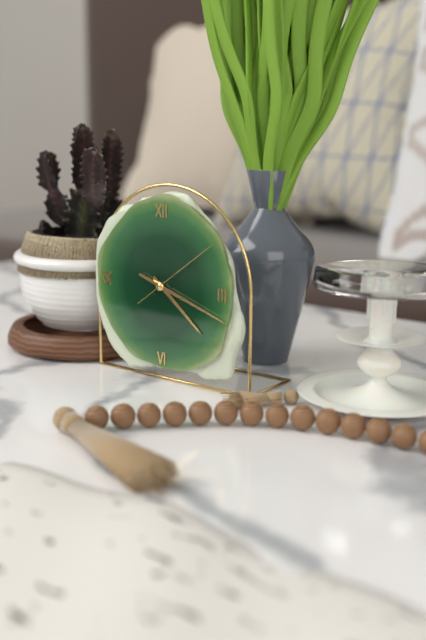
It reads **4:18:09**
